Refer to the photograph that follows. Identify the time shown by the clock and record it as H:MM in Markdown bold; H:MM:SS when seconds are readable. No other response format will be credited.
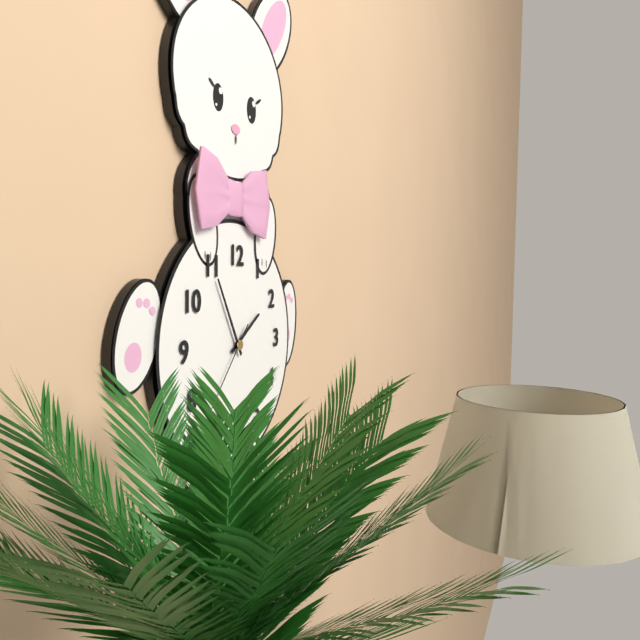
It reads **1:55**
